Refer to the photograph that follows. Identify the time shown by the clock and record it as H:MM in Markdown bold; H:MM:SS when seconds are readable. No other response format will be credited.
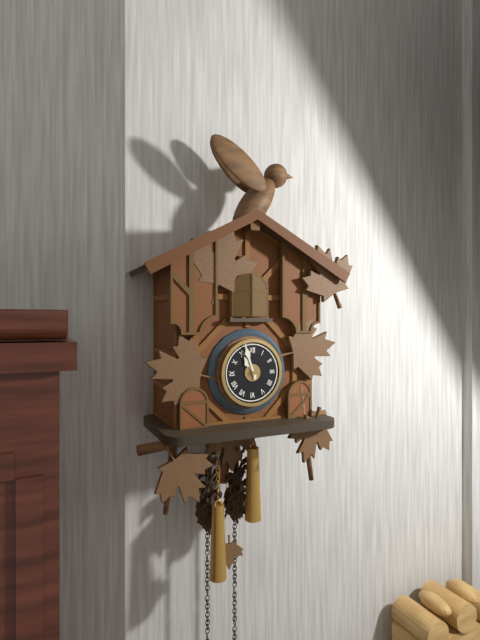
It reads **10:57**
